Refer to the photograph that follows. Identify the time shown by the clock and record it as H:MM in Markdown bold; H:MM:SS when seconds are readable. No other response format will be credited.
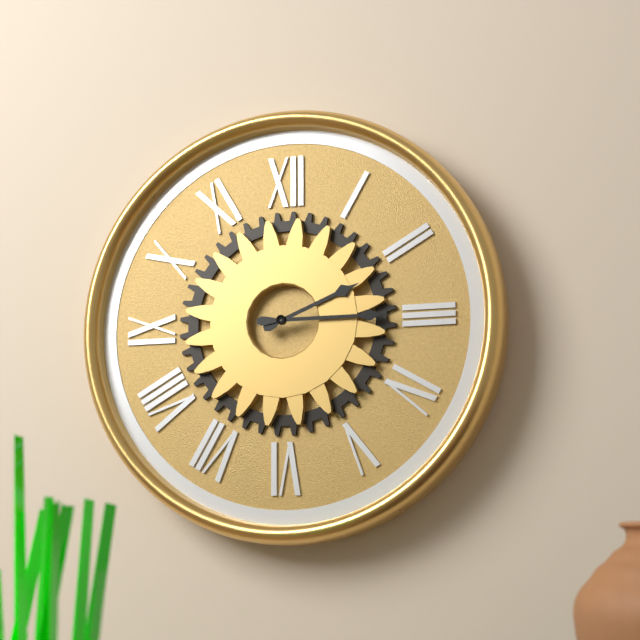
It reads **2:15**
